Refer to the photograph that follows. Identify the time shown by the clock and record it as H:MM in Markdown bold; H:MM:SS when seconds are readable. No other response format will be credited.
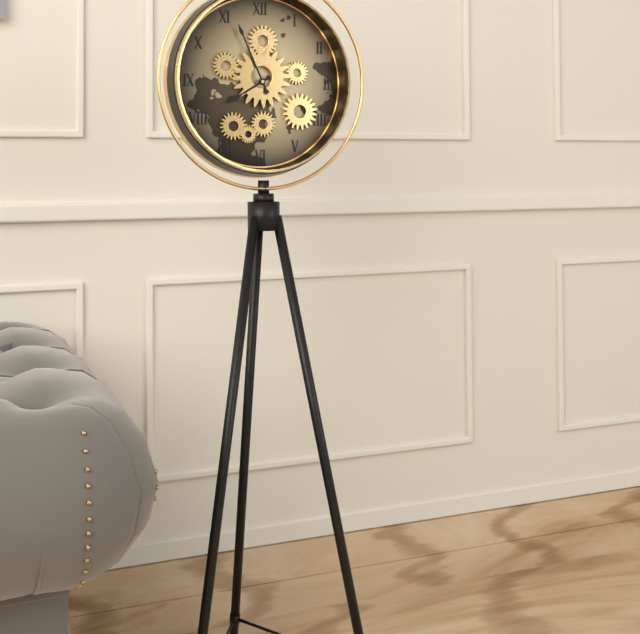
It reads **7:56**
